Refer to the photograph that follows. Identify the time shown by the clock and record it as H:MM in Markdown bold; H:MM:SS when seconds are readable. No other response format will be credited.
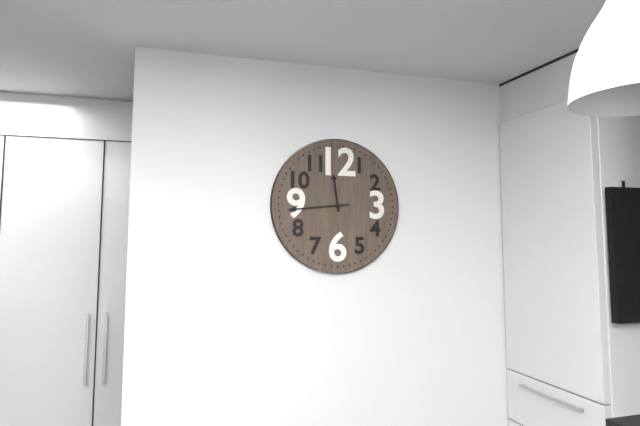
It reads **11:44**
